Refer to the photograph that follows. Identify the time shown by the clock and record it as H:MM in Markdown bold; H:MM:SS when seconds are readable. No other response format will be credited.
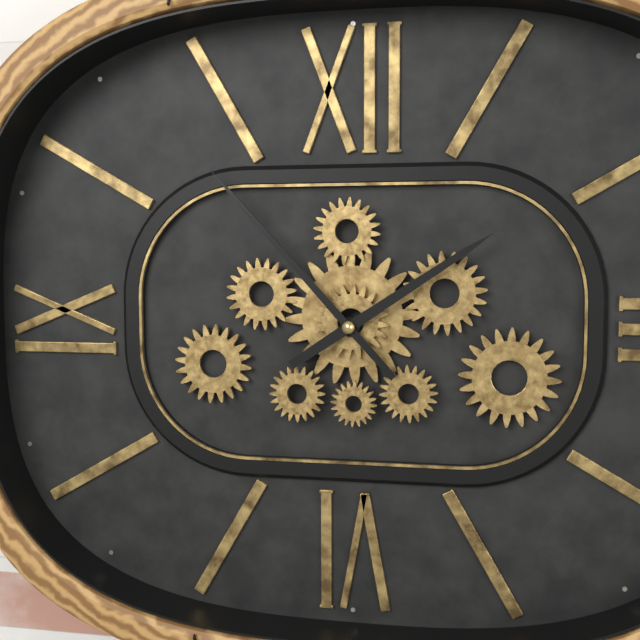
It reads **1:53**
